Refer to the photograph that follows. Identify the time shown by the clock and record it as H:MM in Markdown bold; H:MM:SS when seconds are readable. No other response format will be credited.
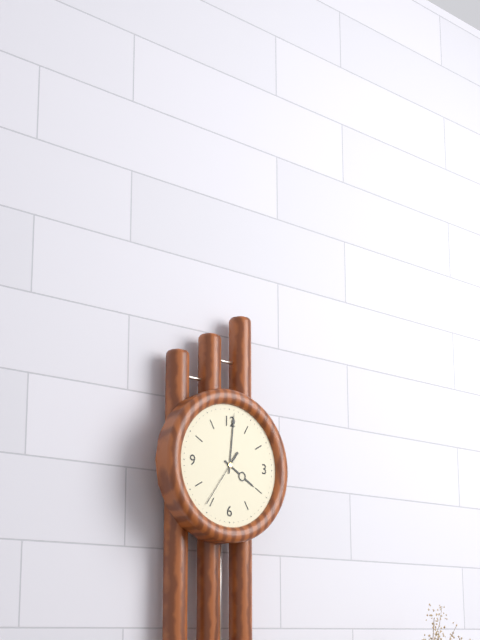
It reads **4:01:36**
